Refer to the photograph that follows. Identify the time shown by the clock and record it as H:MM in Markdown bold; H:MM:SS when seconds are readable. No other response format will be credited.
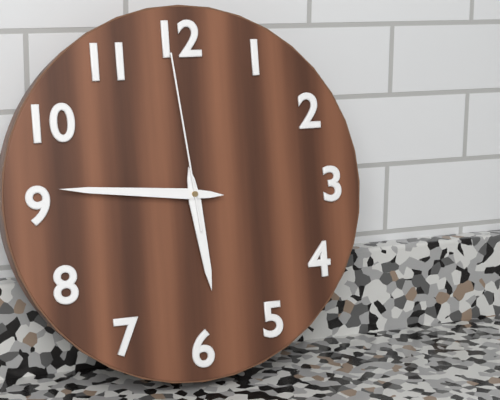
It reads **5:46:59**
